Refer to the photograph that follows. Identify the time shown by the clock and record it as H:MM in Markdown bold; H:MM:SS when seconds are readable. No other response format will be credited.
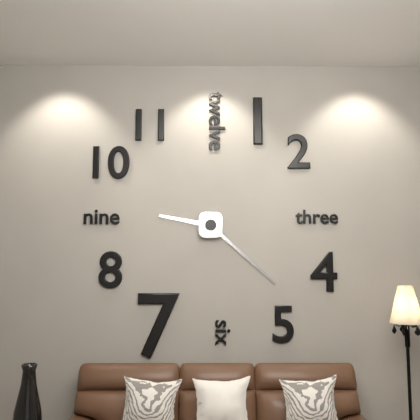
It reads **9:22**
